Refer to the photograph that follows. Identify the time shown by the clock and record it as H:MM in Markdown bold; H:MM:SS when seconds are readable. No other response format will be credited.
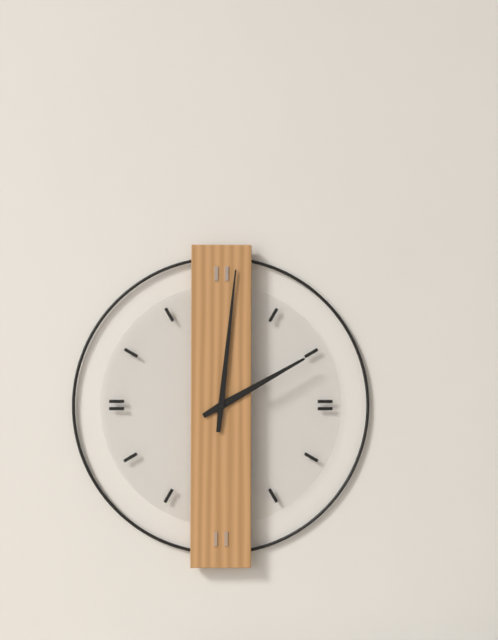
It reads **2:01**
